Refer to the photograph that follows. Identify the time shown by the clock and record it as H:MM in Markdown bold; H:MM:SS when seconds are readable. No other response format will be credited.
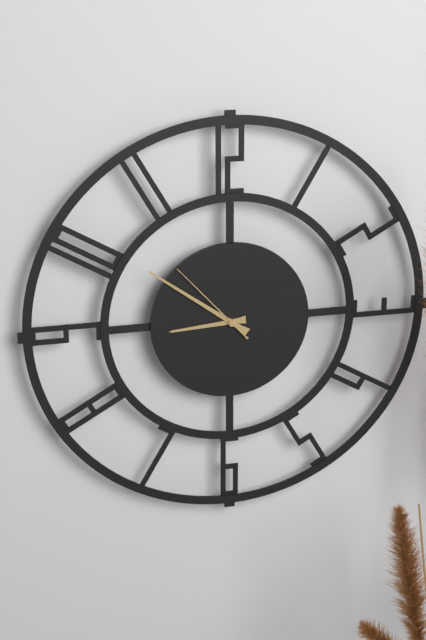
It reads **8:51:53**
